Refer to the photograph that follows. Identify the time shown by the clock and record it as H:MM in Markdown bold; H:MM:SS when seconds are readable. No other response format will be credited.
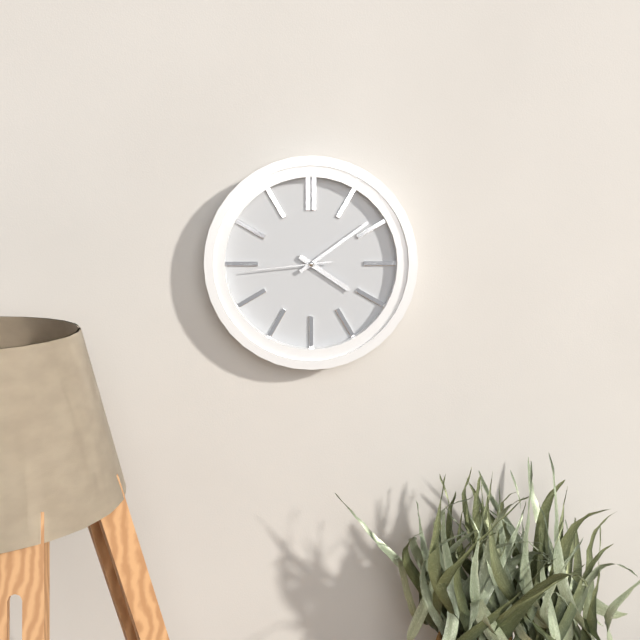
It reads **4:09:44**
